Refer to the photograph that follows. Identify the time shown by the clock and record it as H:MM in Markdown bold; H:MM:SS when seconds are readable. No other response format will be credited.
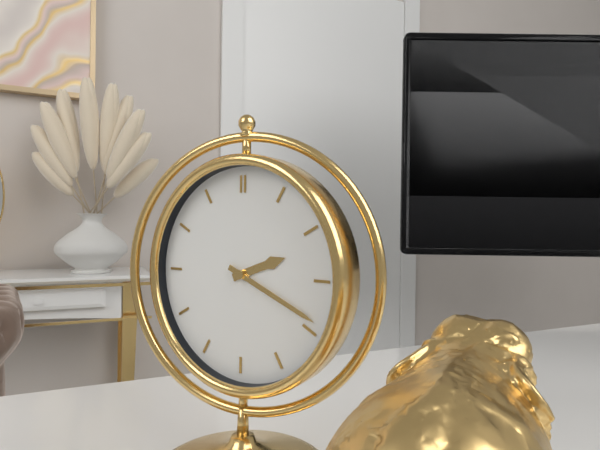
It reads **2:19**
